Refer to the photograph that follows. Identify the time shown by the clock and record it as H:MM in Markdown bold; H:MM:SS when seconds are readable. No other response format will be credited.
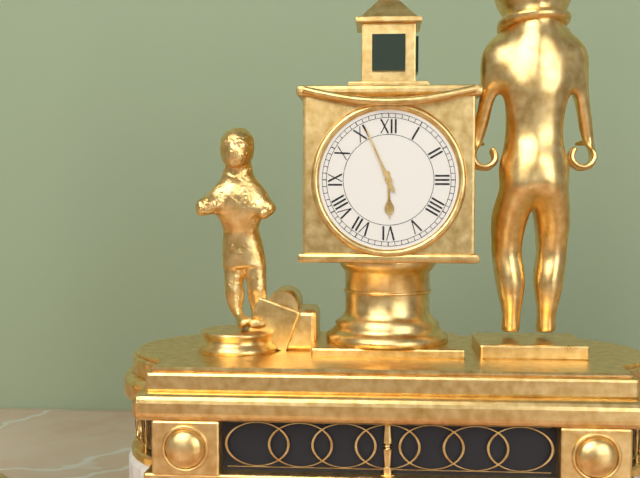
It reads **5:56**
